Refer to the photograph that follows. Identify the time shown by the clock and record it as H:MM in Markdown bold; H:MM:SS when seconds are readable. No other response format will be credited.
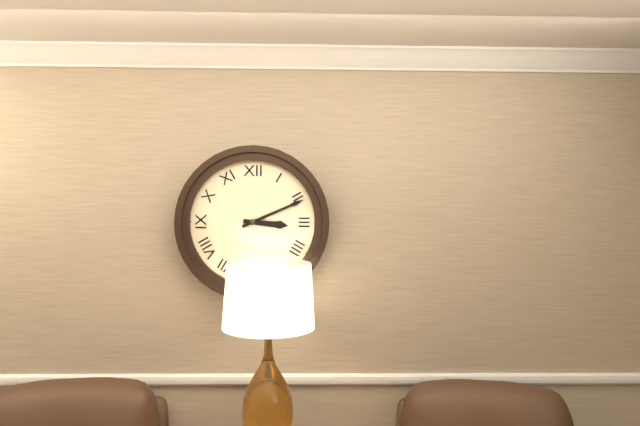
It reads **3:11**
